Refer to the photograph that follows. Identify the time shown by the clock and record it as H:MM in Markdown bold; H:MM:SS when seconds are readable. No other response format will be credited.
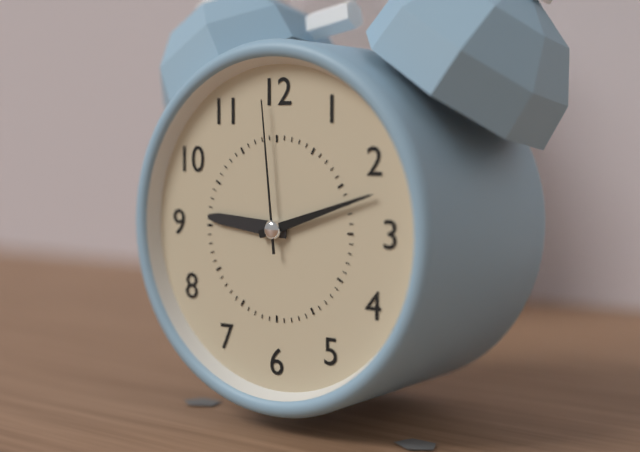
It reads **9:12:59**
